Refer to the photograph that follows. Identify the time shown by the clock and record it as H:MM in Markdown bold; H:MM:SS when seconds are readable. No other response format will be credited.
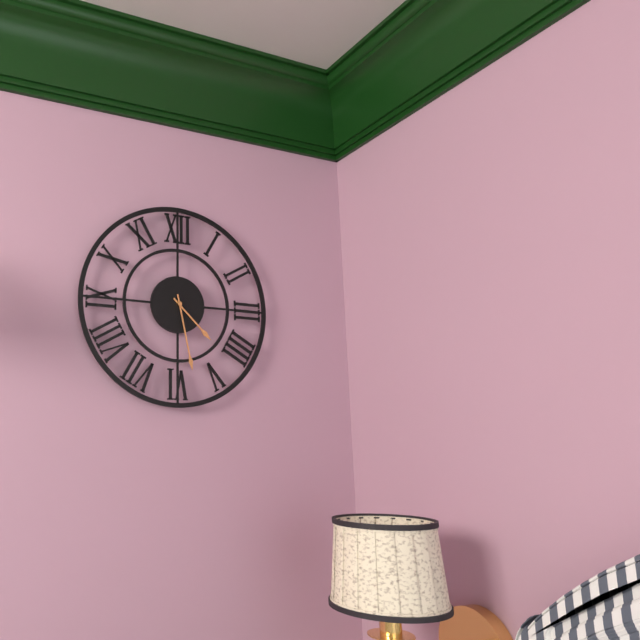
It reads **4:28**
